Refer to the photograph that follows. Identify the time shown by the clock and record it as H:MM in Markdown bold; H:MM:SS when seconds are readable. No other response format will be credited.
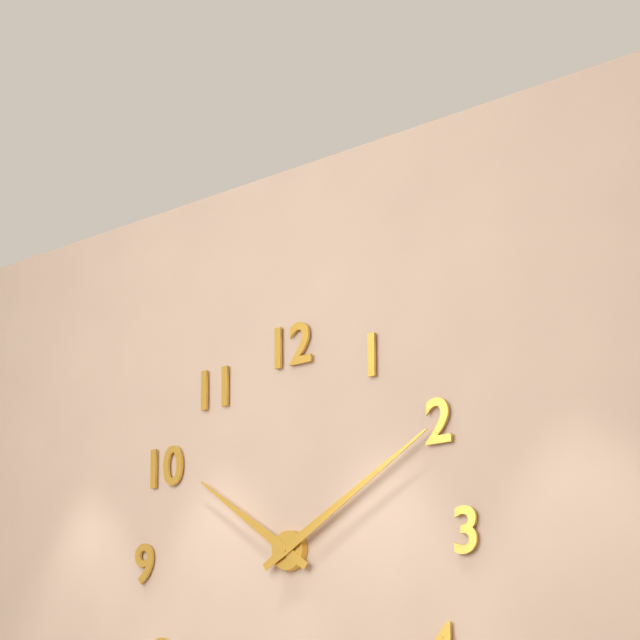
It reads **10:10**
